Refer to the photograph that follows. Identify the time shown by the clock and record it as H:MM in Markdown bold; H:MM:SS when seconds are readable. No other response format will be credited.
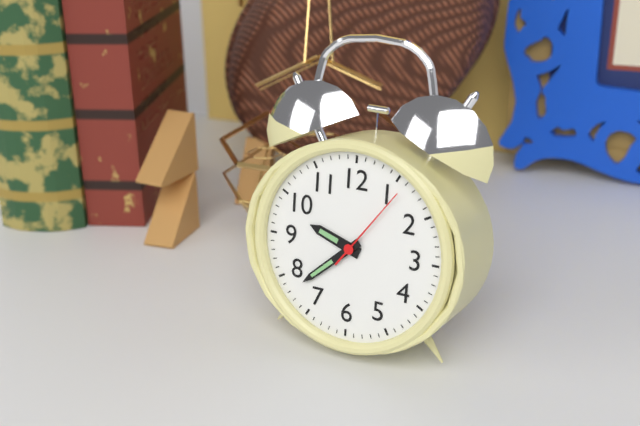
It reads **9:38:06**
